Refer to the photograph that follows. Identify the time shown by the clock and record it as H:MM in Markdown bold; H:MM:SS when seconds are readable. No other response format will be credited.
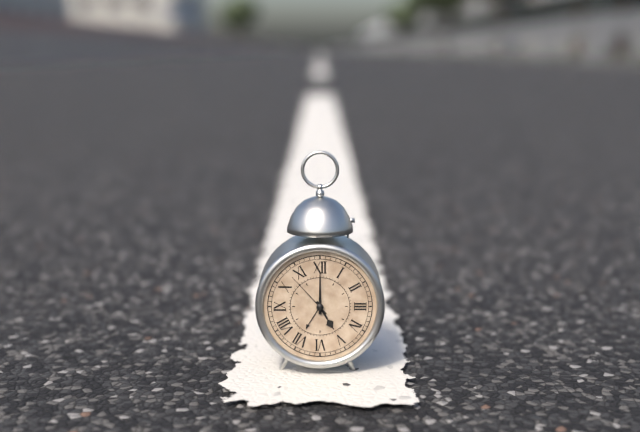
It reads **5:00:53**
